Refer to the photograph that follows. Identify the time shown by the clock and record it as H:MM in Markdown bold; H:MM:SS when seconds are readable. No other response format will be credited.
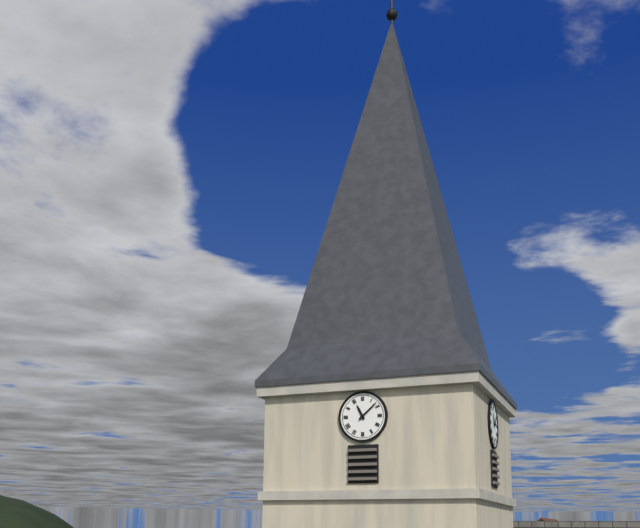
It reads **11:08**
